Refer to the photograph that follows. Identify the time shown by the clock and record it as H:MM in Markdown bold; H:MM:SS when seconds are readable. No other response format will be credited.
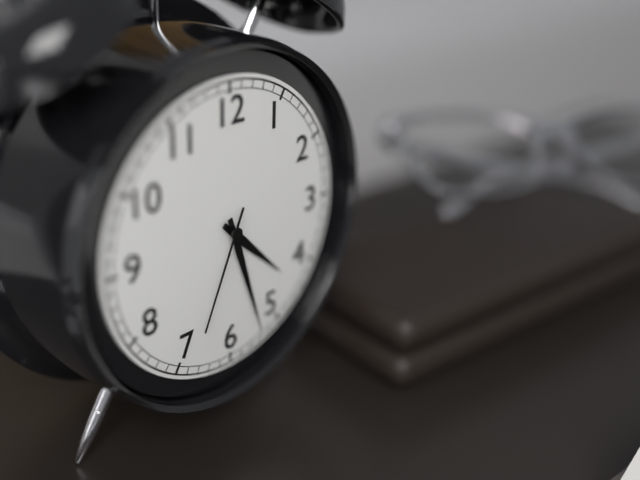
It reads **4:27:34**
